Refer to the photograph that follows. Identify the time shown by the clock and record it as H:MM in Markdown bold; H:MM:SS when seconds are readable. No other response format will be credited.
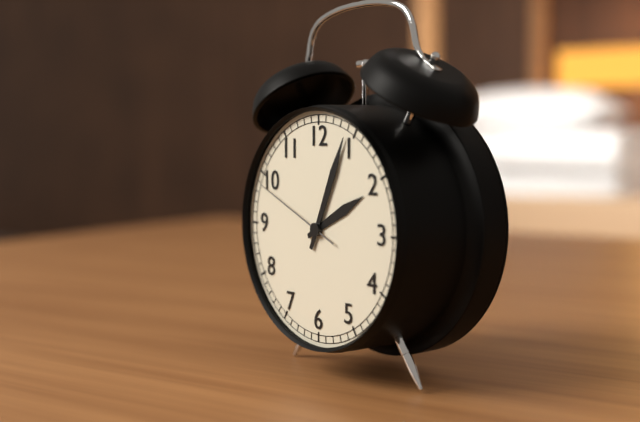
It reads **2:04:49**
